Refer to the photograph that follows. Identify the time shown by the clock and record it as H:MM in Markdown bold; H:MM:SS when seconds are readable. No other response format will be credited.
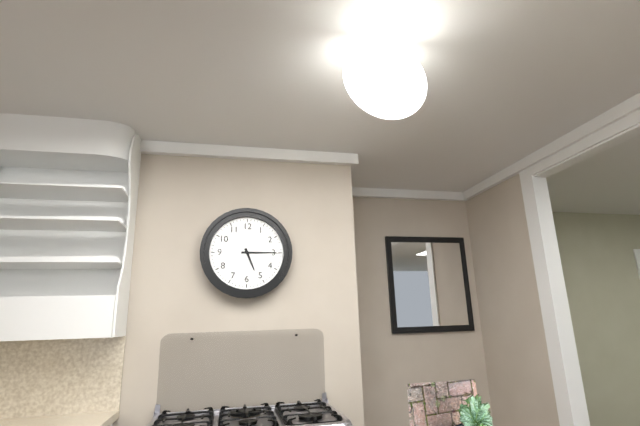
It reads **5:15**
